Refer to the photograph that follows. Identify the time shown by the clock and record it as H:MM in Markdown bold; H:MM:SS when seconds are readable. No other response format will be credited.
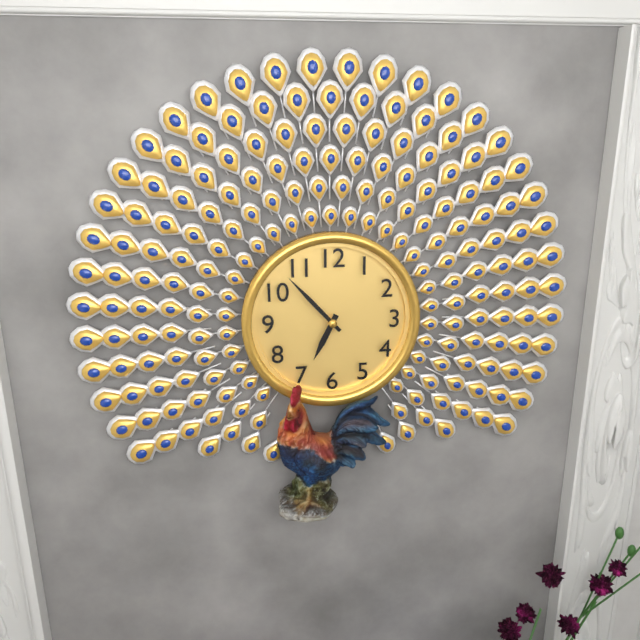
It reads **6:53**
